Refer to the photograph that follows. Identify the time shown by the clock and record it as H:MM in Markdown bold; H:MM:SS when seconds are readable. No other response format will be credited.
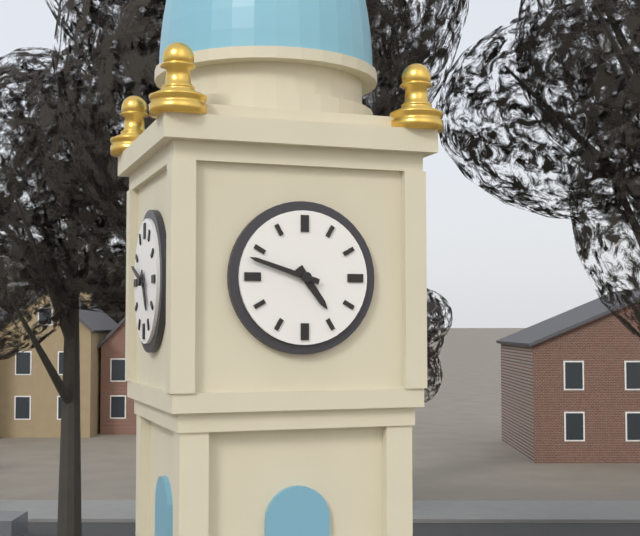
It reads **4:48**
